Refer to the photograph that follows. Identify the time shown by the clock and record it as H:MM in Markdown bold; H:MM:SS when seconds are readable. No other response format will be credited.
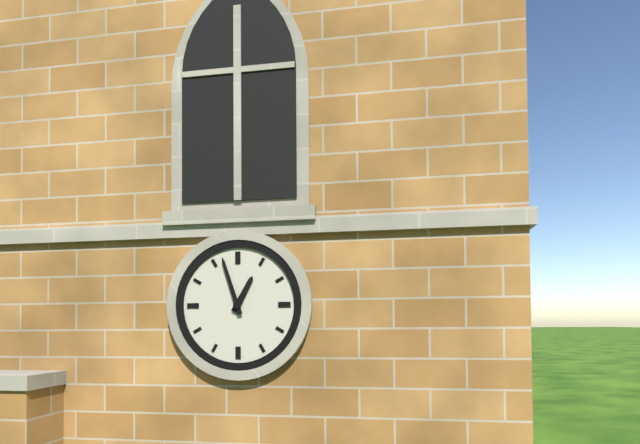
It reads **12:57**
